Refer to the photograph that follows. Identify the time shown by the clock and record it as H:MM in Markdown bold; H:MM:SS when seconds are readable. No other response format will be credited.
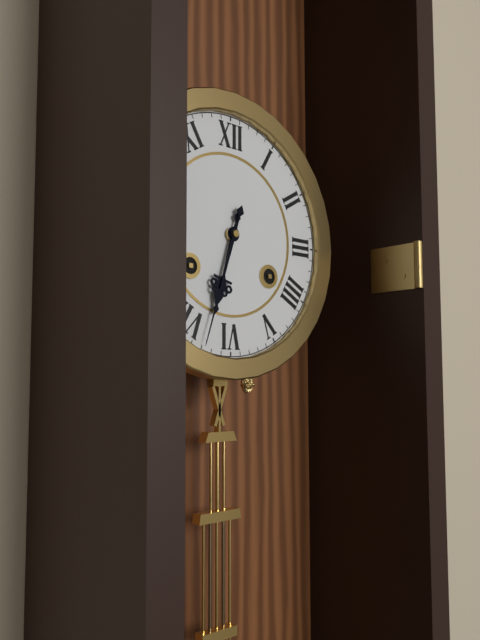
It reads **6:33**
